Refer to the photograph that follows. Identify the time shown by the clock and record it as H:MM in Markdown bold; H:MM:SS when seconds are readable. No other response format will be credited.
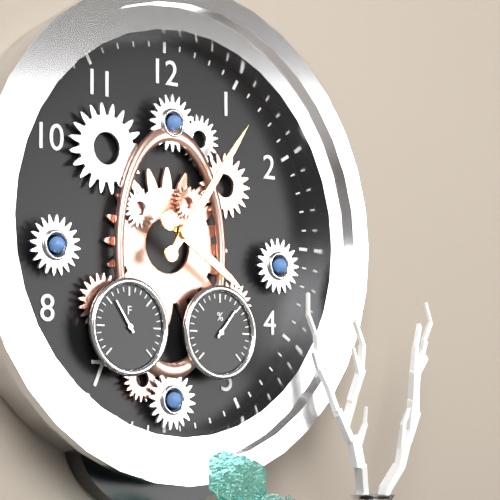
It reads **4:06**
